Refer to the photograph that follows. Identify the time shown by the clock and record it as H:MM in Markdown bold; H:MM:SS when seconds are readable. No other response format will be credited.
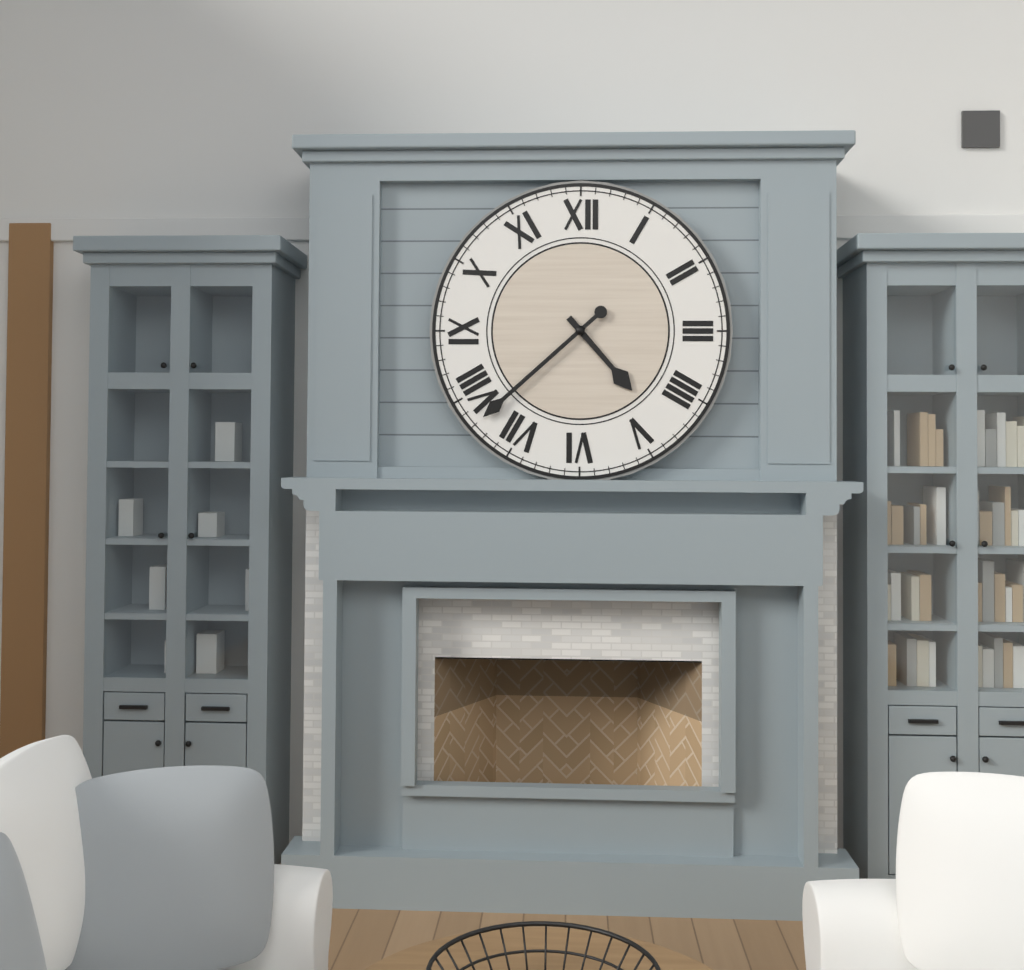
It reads **4:38**
